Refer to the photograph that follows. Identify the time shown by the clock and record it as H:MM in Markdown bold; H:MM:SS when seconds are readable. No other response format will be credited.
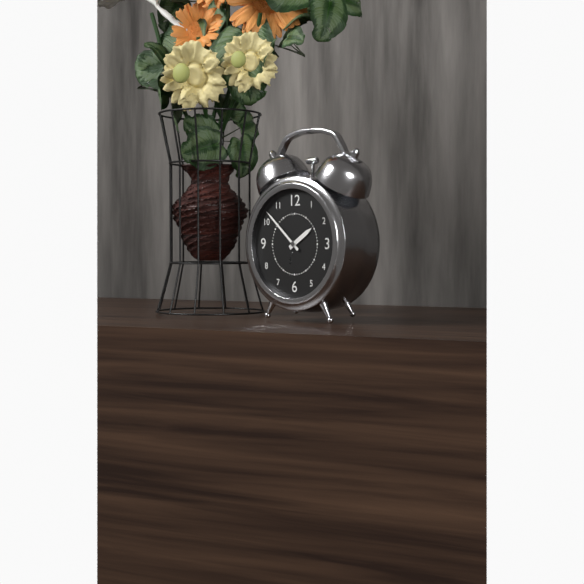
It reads **1:52**
